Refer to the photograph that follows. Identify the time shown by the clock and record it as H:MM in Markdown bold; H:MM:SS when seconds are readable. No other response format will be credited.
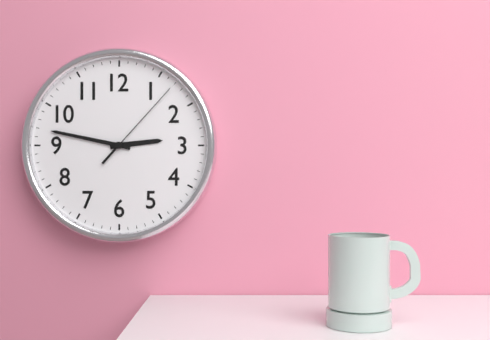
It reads **2:47:07**
